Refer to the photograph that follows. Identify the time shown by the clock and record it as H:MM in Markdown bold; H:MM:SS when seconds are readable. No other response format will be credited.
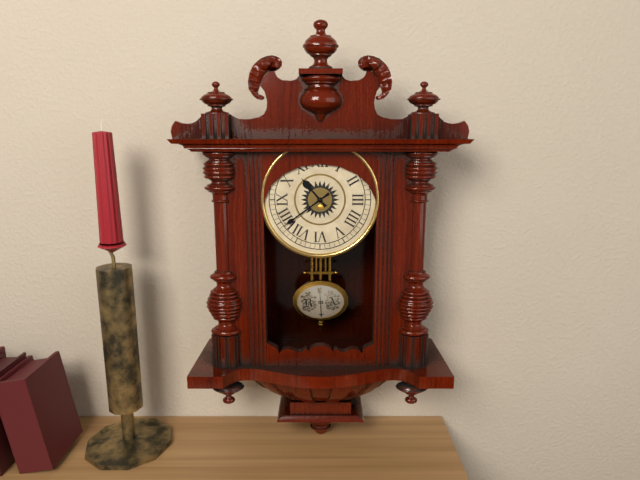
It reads **10:39**
